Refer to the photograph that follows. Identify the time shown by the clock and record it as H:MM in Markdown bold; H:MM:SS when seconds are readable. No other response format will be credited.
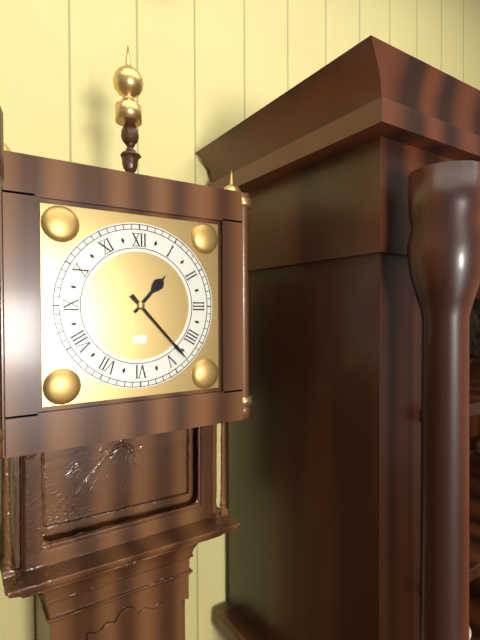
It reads **1:23**
